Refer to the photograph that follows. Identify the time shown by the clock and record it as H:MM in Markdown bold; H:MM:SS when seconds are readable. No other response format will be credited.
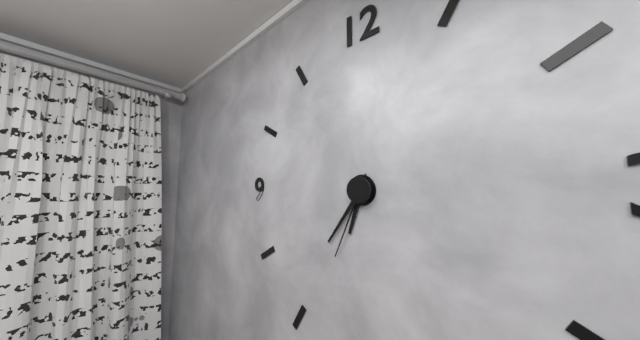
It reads **6:36:34**
